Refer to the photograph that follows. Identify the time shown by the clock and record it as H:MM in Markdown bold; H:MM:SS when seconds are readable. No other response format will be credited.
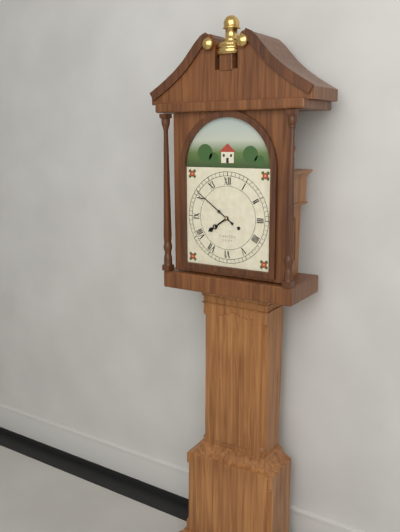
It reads **7:51**
